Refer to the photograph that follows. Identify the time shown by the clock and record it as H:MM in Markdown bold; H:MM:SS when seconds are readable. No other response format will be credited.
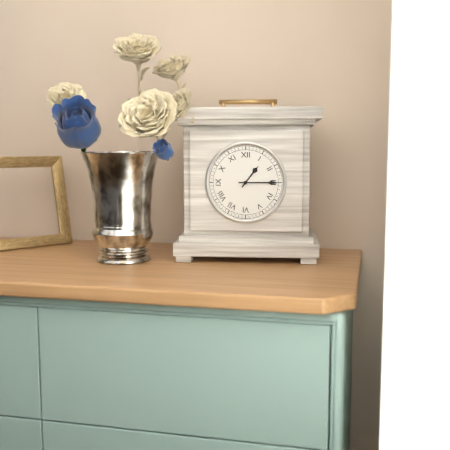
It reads **1:15**
